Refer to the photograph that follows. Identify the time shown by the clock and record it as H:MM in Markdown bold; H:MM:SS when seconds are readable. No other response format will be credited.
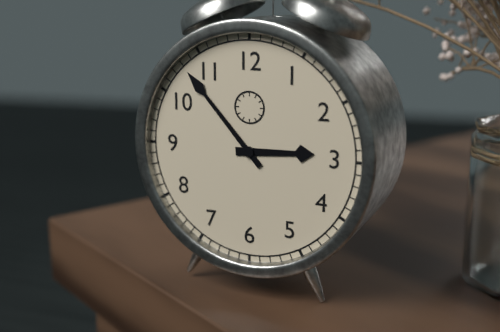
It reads **2:53**
